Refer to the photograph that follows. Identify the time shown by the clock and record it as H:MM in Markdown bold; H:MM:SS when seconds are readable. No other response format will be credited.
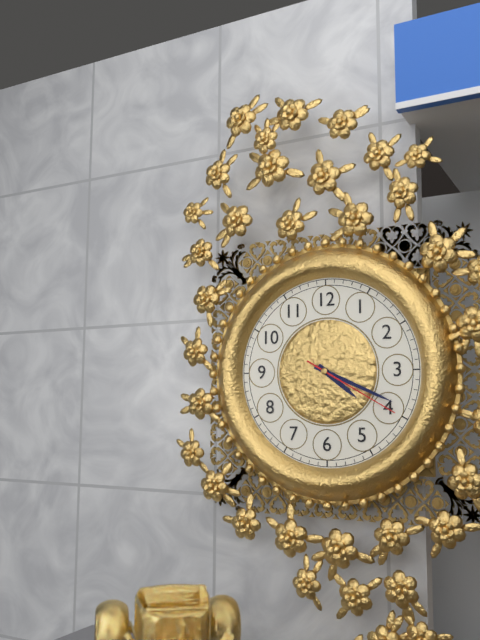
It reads **4:19:20**
